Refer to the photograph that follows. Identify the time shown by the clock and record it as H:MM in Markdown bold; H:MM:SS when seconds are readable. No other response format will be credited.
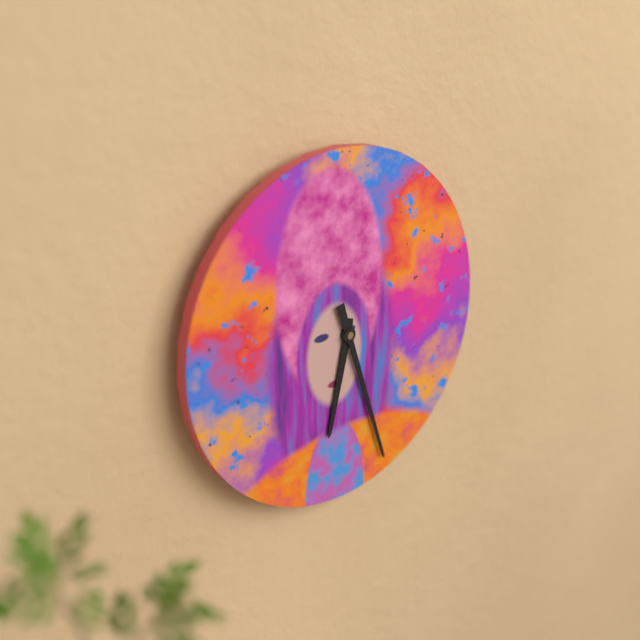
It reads **6:27**
